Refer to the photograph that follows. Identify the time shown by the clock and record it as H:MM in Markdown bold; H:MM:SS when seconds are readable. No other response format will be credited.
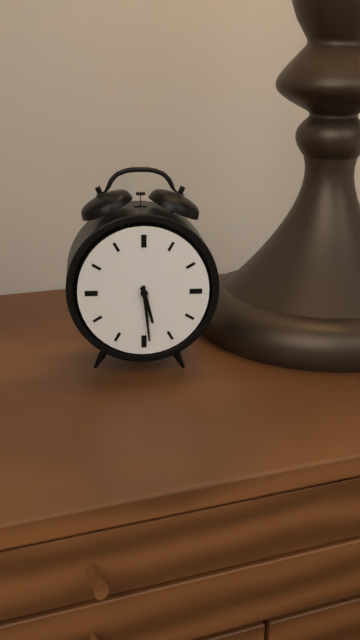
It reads **5:29**
